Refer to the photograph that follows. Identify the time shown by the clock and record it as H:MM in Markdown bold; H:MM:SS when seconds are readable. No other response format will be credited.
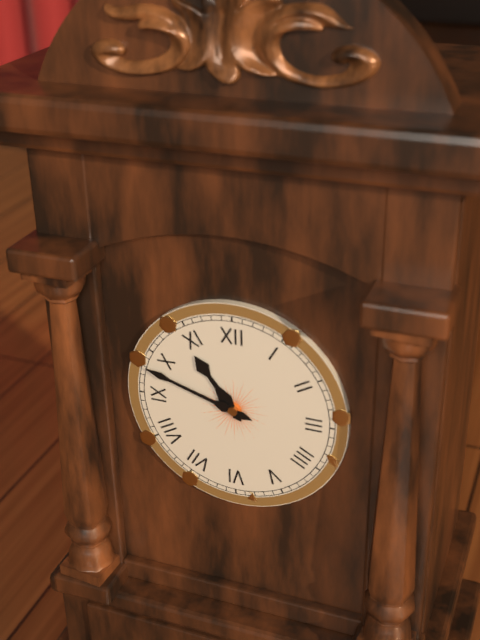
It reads **10:48**
